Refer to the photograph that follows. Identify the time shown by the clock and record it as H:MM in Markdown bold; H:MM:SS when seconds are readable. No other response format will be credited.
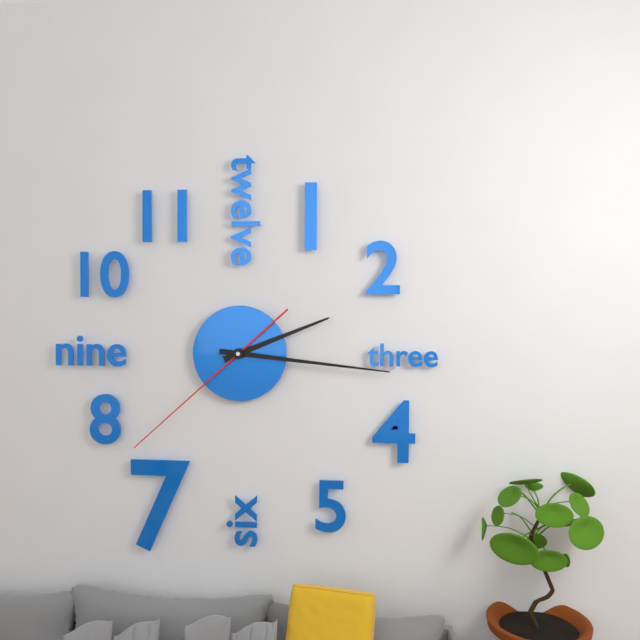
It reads **2:16:38**
